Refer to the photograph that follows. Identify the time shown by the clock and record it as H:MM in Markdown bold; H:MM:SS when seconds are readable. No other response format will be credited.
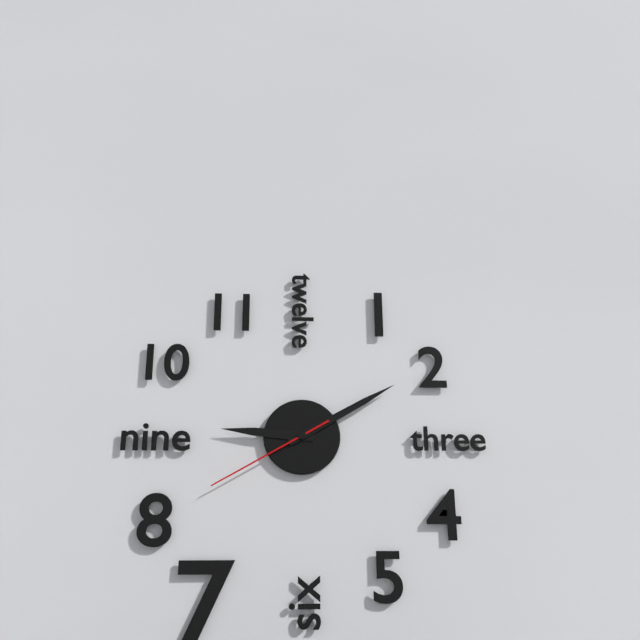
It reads **9:10:40**
